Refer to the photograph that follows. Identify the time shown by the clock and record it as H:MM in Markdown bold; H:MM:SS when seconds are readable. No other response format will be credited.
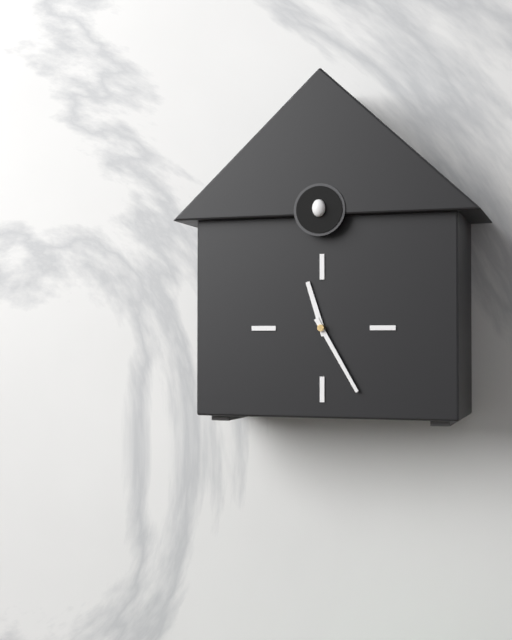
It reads **11:25**
